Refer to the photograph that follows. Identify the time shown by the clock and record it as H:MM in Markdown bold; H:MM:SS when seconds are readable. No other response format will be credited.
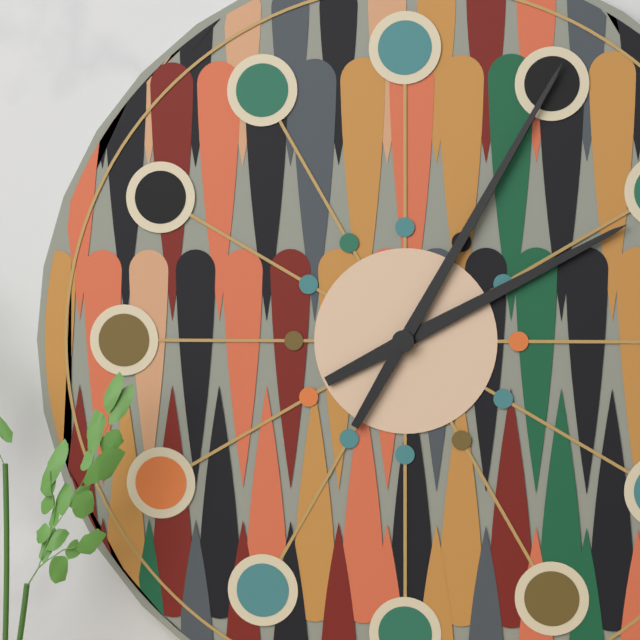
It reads **2:05**
